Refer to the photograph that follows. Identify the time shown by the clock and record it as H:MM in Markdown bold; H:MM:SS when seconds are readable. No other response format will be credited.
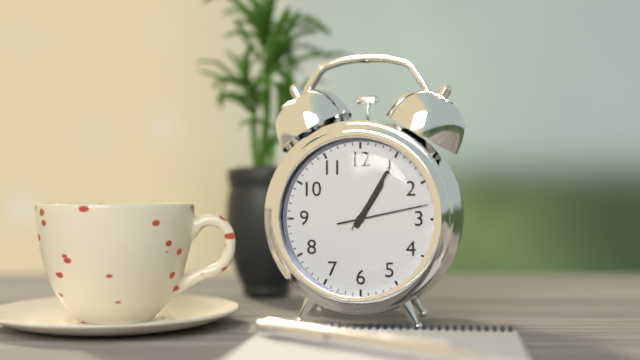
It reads **1:05:13**
